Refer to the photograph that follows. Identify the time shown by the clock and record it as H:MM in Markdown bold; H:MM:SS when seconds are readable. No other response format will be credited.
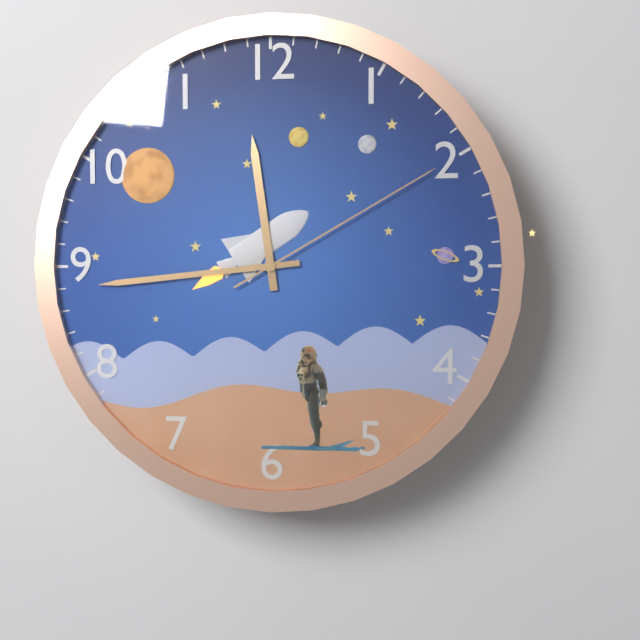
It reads **11:44:10**
